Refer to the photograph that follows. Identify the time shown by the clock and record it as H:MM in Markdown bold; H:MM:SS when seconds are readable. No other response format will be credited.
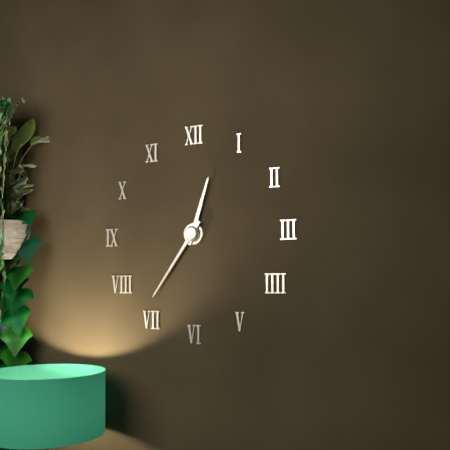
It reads **12:36**
